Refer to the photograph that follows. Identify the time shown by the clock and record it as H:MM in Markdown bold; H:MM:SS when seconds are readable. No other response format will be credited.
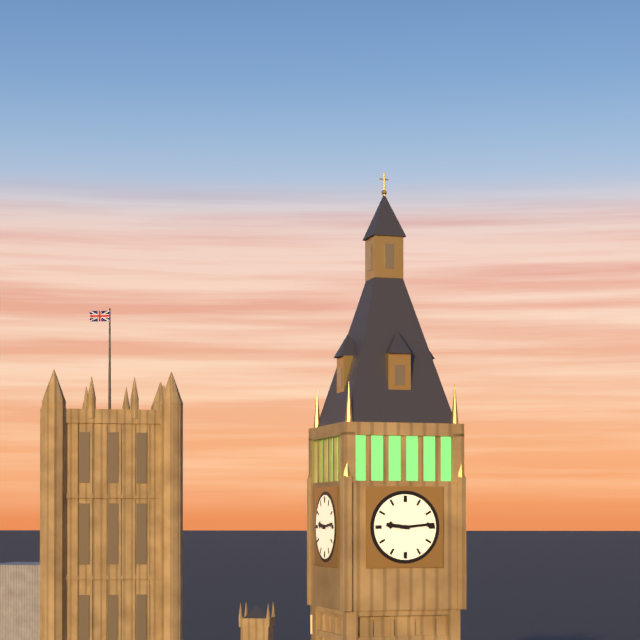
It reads **9:14**
